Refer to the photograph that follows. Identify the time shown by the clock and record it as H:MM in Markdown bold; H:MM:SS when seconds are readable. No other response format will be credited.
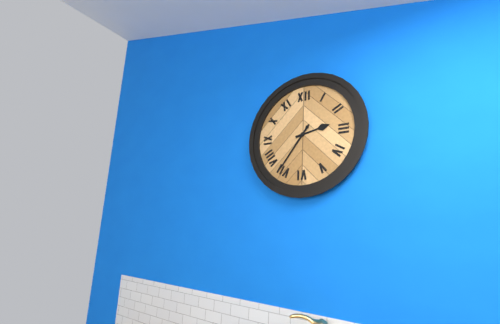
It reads **2:36**
